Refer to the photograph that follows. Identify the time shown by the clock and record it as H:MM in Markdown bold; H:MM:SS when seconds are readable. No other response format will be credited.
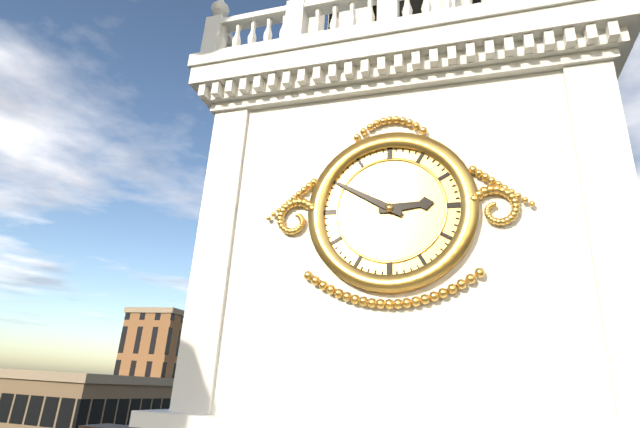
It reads **2:50**
